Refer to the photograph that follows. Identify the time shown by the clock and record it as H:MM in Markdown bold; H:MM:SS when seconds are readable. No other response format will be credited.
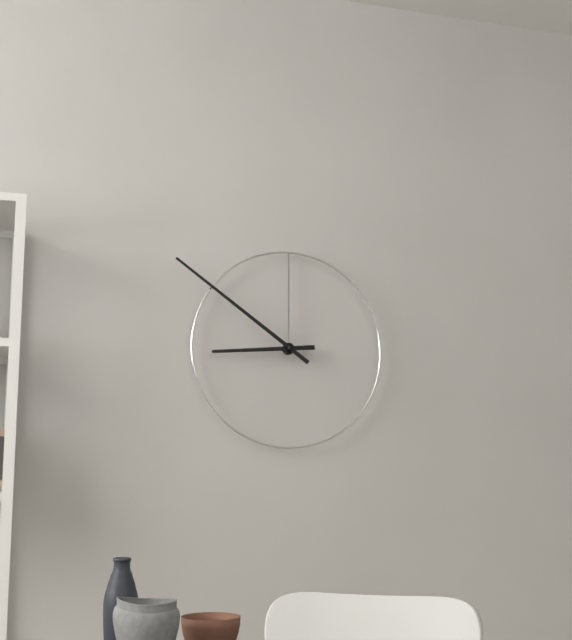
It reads **8:51**
